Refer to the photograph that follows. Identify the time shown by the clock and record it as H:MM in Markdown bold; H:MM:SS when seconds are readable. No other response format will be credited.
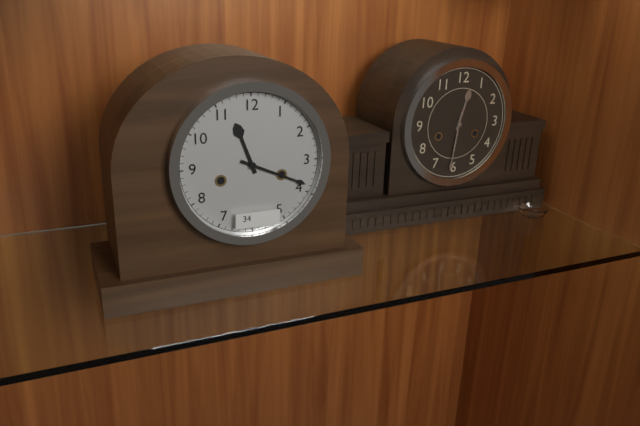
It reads **11:19**
